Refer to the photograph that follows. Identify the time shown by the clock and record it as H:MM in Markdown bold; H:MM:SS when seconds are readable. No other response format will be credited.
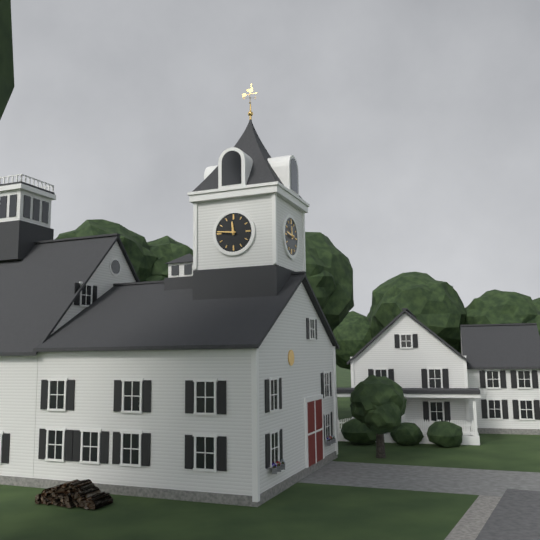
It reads **11:46**
